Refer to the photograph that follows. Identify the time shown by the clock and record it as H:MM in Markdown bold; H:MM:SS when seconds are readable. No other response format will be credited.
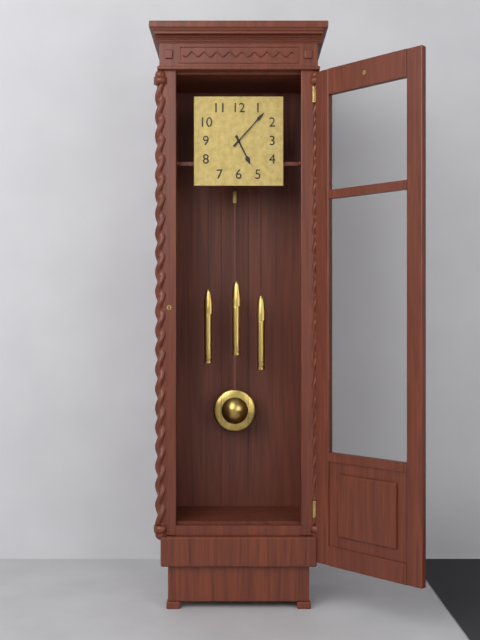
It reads **5:07**
